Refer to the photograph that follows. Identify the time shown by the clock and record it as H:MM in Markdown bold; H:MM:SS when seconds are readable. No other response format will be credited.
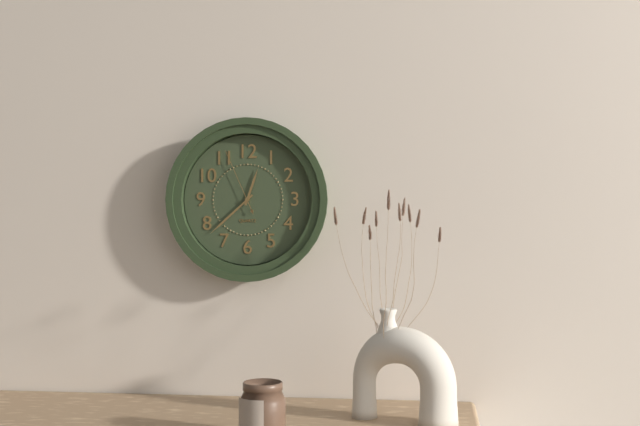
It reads **12:38:56**
